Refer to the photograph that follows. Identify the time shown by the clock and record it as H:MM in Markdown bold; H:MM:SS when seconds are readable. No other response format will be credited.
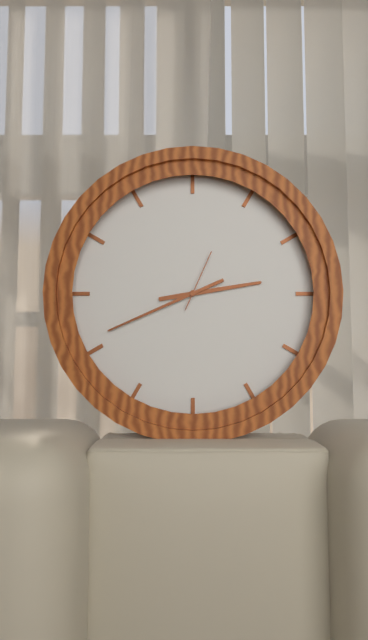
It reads **2:41:04**
